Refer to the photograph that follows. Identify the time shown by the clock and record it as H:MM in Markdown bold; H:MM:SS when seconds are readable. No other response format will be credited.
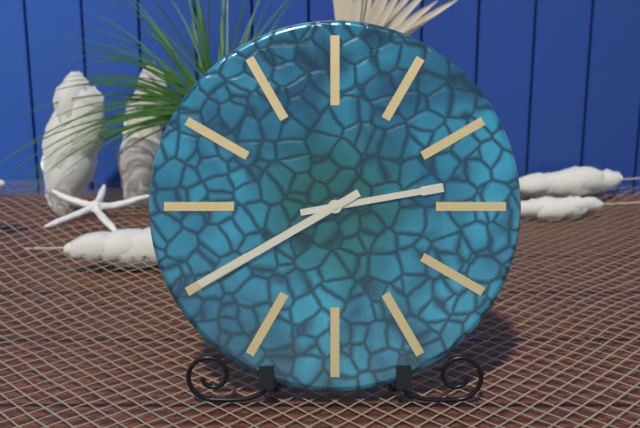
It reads **2:40**
